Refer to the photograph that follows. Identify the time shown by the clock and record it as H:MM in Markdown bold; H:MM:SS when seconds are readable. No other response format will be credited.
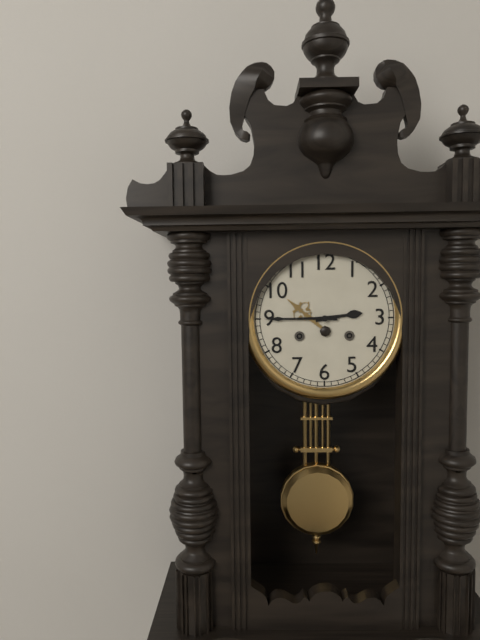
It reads **2:45**
